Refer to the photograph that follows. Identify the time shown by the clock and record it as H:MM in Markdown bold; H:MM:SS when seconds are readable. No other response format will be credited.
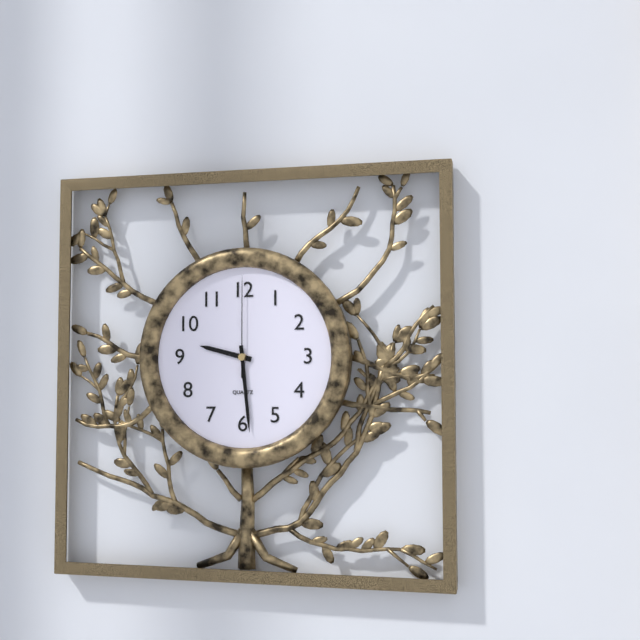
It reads **9:29:00**
